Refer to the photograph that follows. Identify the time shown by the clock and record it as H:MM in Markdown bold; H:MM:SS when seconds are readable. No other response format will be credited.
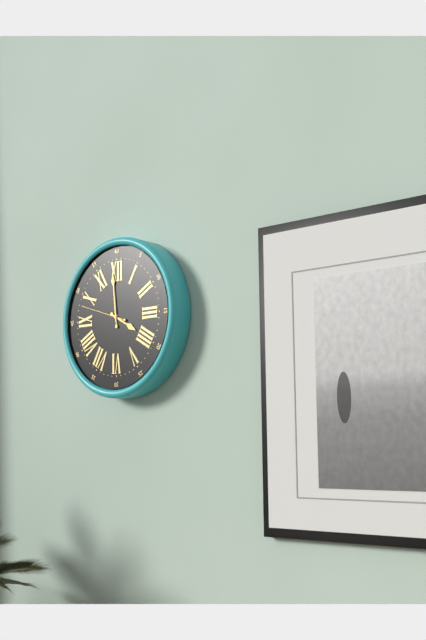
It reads **3:59:48**
